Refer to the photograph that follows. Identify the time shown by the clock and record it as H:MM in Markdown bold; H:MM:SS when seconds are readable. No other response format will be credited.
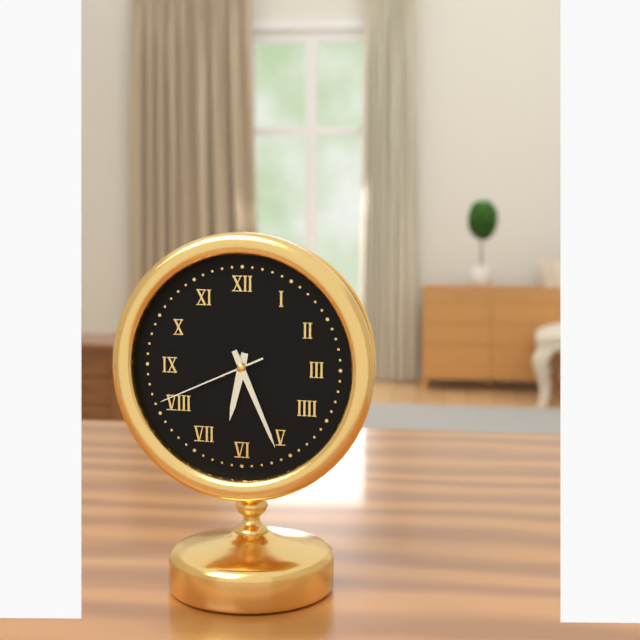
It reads **6:26:41**
